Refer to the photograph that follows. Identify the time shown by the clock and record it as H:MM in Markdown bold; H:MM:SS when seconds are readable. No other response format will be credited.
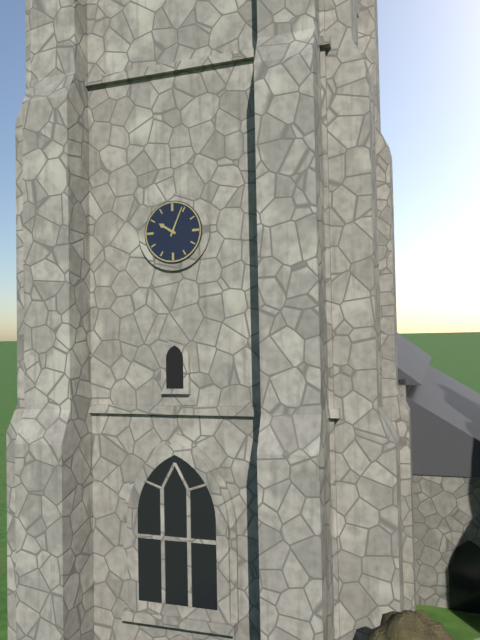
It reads **10:04**
